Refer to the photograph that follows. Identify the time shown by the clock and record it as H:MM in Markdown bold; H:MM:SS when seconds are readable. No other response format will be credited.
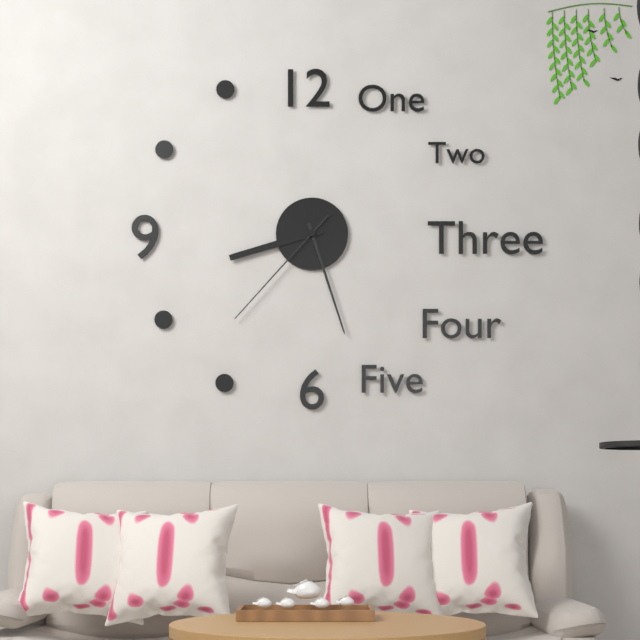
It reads **8:27:37**
